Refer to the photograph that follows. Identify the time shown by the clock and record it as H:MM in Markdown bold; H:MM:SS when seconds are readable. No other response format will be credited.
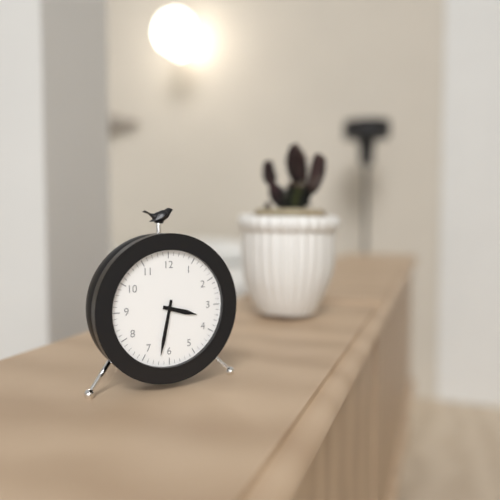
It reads **3:32**
